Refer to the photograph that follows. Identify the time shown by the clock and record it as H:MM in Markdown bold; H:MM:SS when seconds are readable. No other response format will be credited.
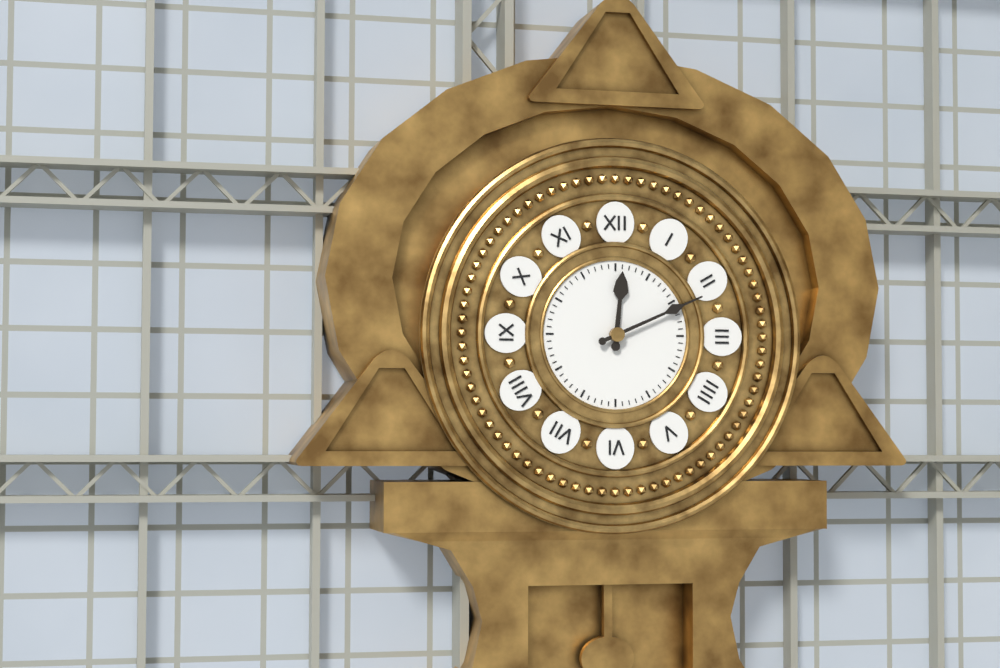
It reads **12:11**
